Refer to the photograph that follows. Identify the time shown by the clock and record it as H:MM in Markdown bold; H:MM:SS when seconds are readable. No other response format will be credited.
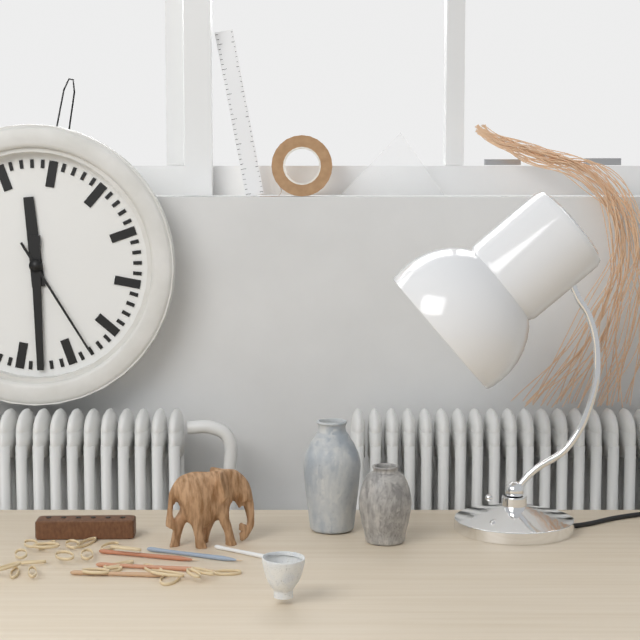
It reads **11:28:23**
